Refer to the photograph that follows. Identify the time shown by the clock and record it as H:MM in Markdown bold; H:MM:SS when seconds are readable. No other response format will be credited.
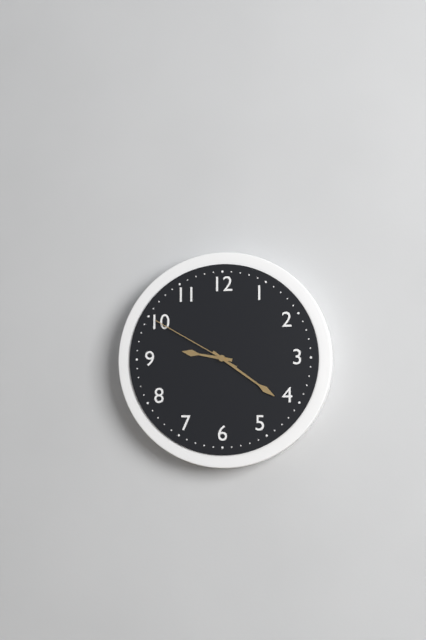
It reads **9:21:50**
